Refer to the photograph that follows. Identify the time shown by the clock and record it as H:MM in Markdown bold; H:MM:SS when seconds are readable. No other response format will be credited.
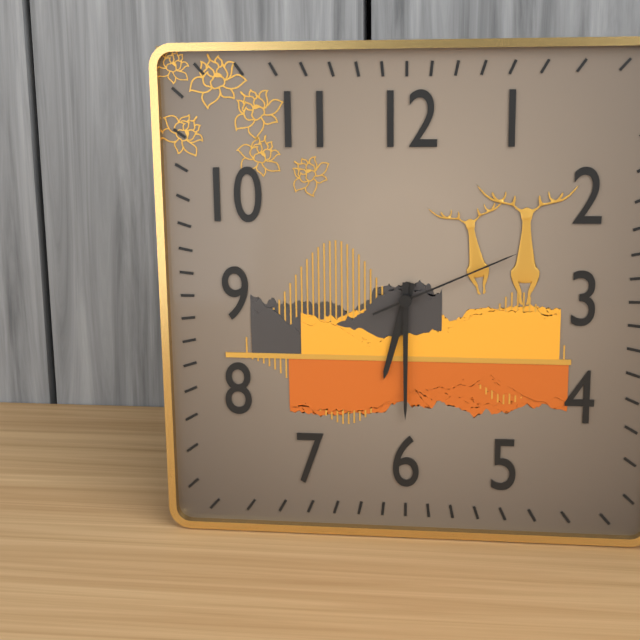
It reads **6:30:11**
